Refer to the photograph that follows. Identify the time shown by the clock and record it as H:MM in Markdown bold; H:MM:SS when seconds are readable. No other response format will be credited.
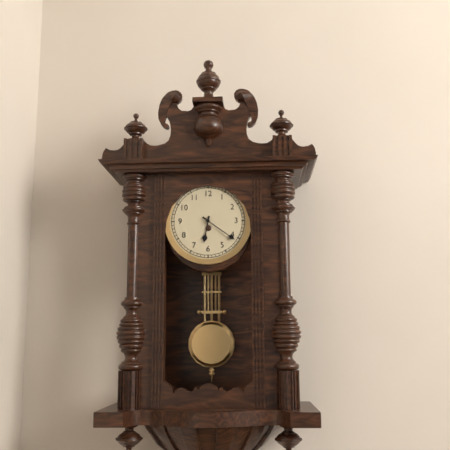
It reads **6:21**
